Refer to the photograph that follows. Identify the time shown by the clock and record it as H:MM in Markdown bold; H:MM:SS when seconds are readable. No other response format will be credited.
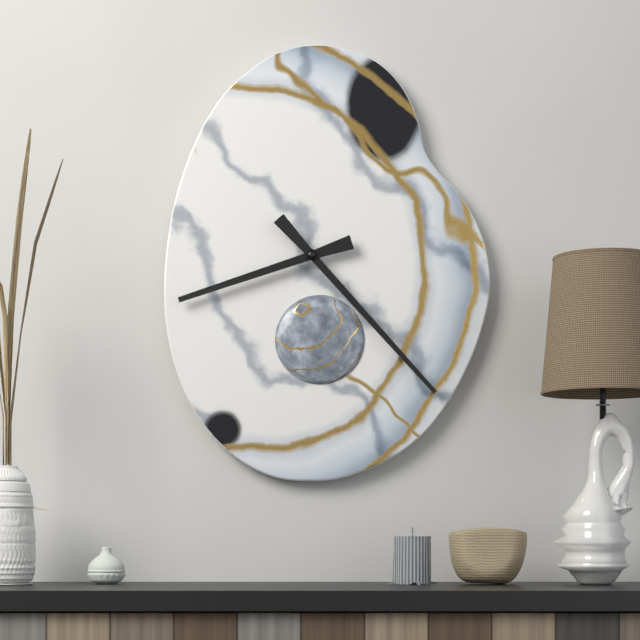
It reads **8:23**
